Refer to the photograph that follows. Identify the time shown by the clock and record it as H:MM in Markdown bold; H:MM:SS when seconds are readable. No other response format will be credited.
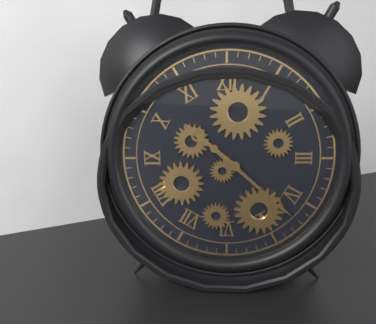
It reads **10:22**
